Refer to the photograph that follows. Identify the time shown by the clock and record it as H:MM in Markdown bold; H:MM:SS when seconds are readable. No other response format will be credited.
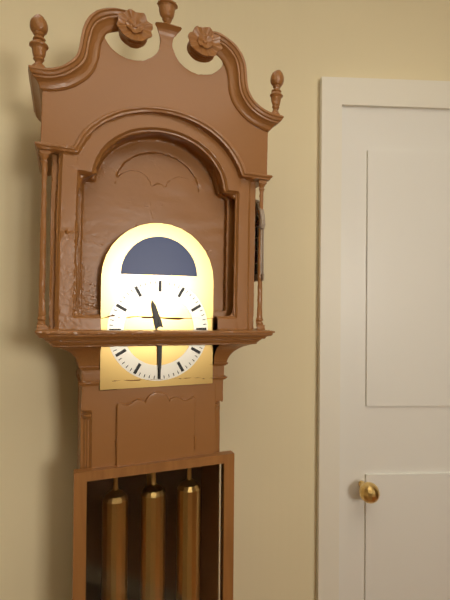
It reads **11:30**
